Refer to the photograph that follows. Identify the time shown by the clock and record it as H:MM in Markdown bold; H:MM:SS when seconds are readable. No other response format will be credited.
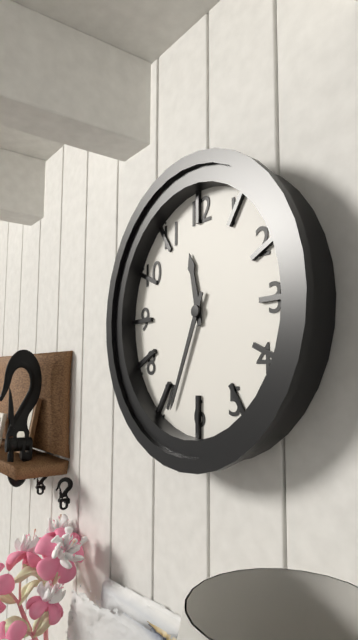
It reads **11:34**
